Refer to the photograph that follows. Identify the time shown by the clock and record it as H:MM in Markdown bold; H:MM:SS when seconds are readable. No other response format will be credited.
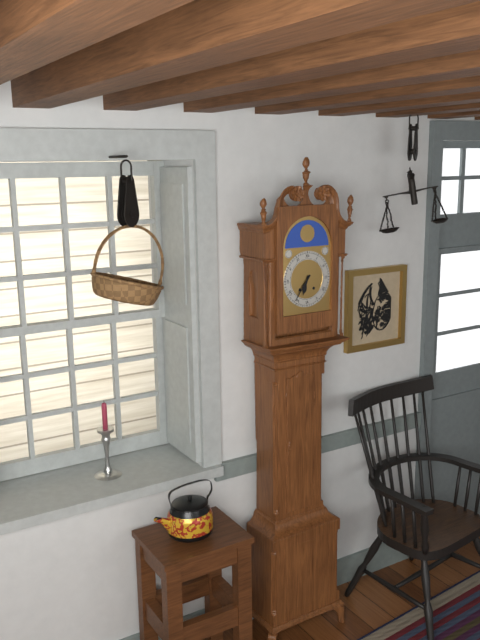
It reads **6:36**
